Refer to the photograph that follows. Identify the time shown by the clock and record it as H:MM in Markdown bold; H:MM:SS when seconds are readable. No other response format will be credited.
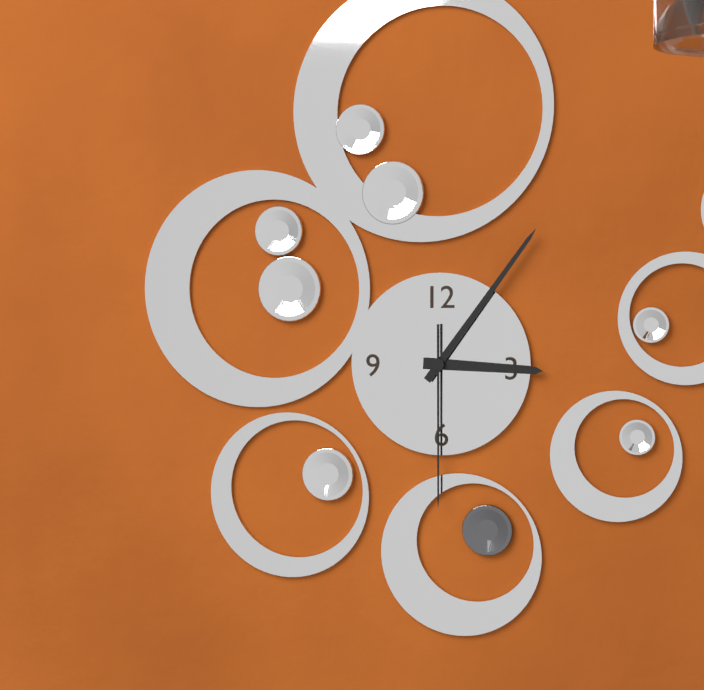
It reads **3:06:30**
